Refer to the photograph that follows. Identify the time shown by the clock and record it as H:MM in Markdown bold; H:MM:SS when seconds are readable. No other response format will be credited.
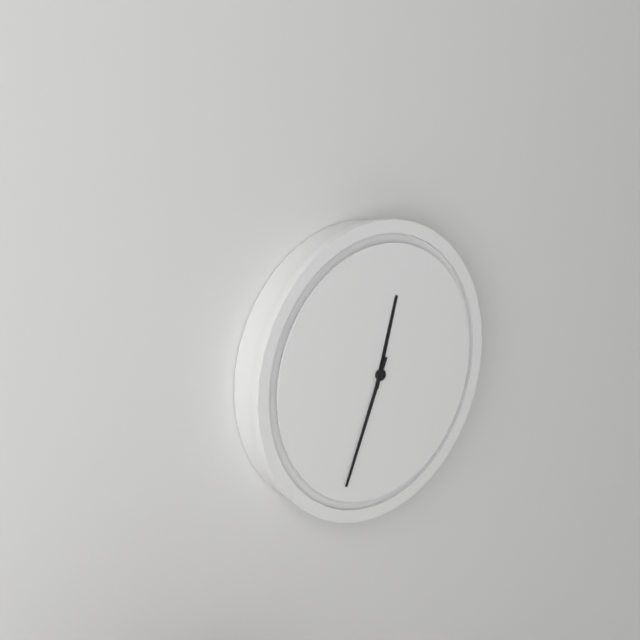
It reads **12:34**
